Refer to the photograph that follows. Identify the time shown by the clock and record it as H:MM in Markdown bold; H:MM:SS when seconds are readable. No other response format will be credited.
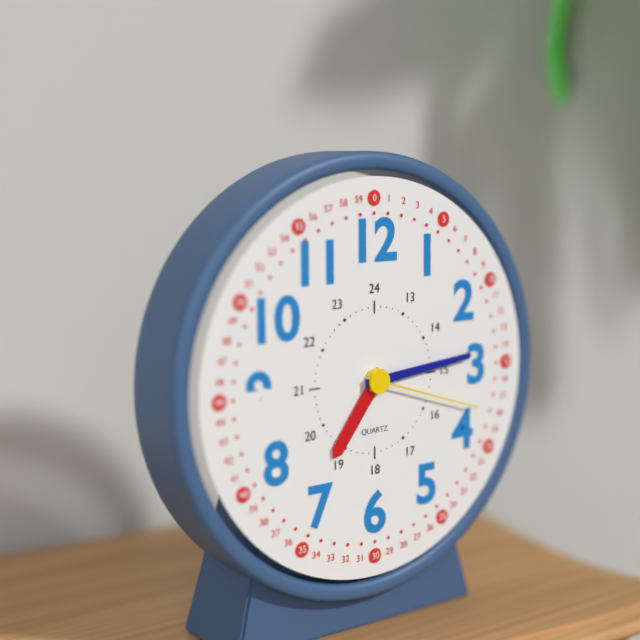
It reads **7:14:18**
